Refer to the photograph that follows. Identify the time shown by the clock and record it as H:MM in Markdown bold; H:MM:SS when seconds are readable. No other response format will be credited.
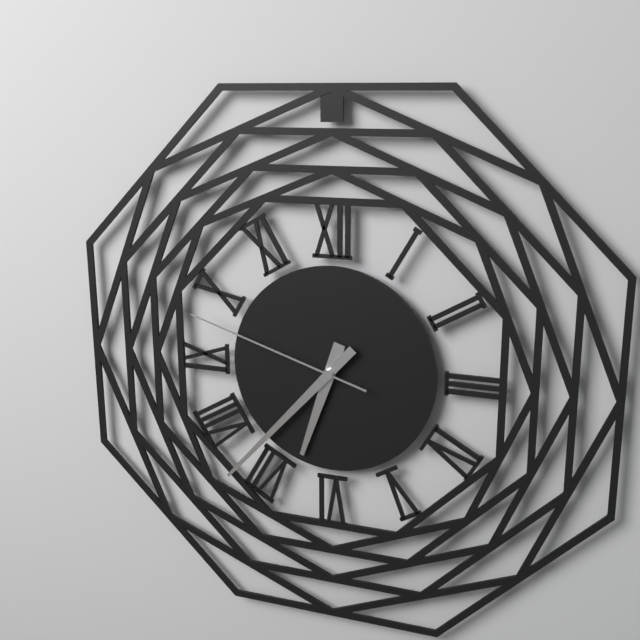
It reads **6:37:48**
